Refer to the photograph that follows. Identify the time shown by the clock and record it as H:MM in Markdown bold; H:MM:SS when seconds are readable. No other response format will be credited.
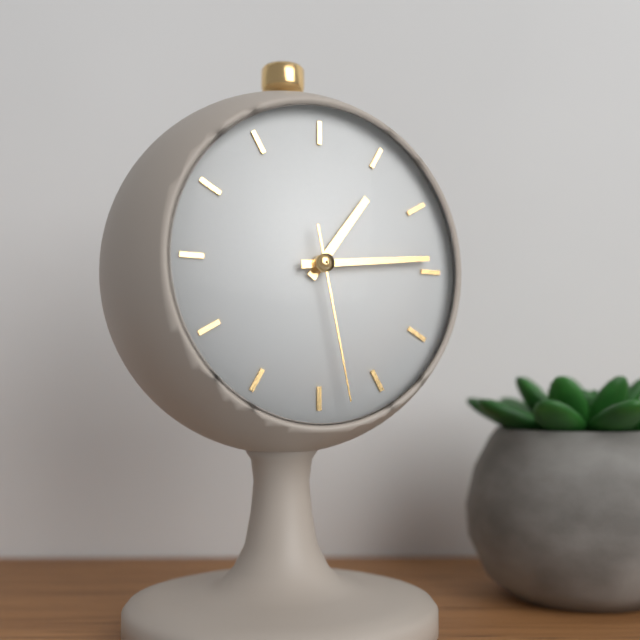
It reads **1:14:28**
